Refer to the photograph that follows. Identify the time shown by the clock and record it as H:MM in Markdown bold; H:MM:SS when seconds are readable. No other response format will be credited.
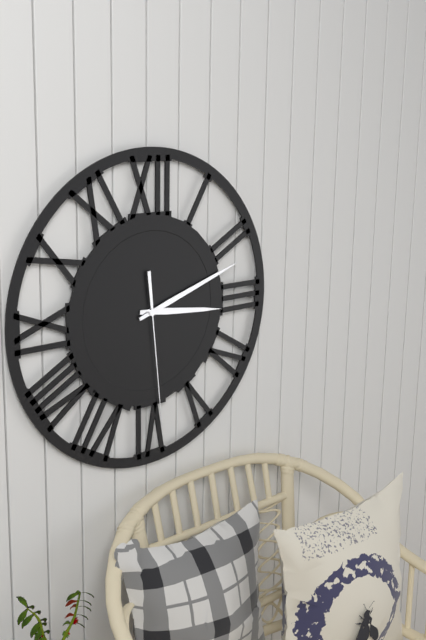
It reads **3:12:29**
